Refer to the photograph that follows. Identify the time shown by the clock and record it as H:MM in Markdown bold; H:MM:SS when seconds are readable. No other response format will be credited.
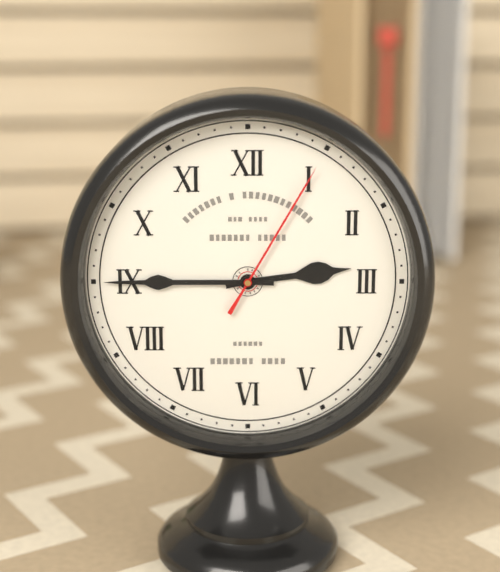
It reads **2:45:05**
